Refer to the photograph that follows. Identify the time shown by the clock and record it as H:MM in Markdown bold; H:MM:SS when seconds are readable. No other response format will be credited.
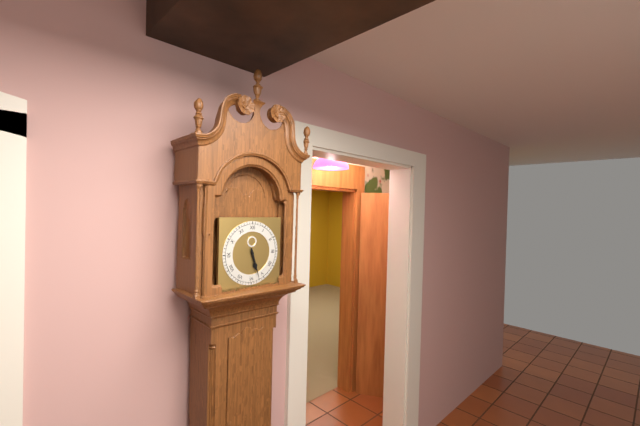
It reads **5:27**
